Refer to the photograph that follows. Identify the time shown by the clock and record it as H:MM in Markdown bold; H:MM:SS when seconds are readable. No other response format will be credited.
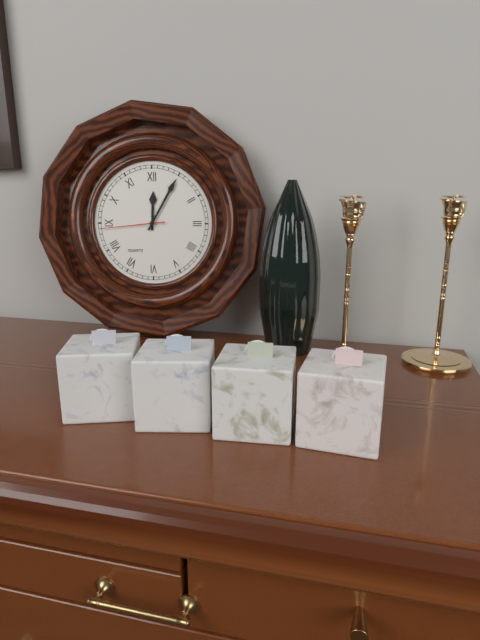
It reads **12:05:44**
